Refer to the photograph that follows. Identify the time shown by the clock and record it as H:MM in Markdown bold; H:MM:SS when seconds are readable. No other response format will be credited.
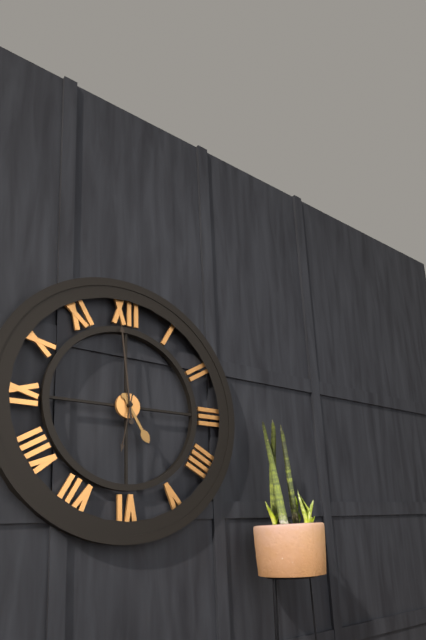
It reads **4:59:32**
